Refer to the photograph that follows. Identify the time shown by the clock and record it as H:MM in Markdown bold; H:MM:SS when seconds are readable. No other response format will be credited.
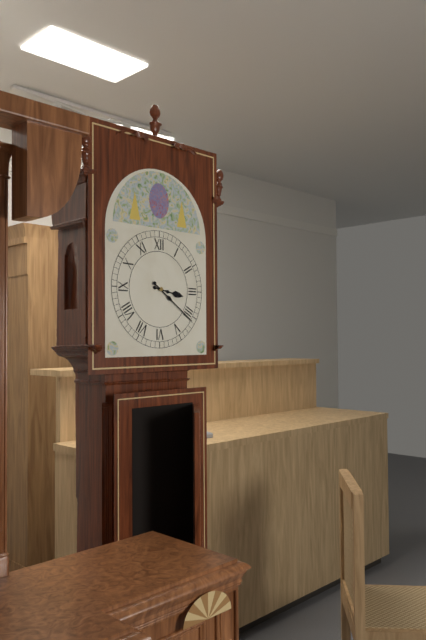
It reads **3:21**
